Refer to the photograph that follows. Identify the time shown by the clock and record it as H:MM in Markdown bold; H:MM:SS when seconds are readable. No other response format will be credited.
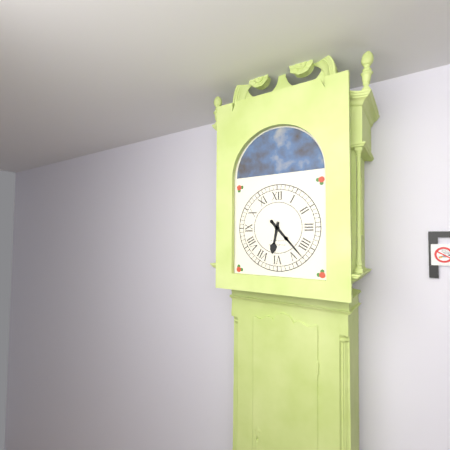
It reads **6:23**
